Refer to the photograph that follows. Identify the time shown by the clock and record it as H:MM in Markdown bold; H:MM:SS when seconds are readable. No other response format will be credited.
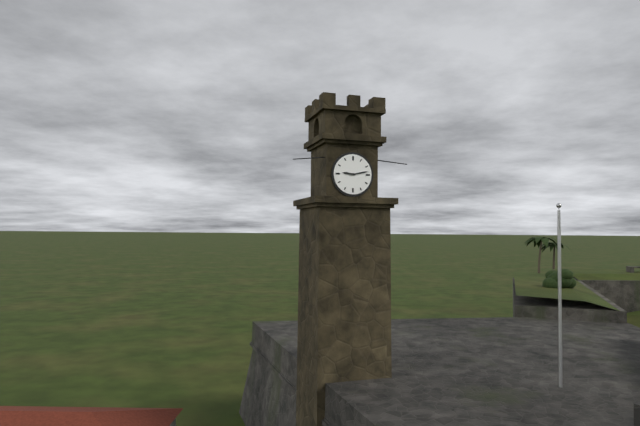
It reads **9:13**
